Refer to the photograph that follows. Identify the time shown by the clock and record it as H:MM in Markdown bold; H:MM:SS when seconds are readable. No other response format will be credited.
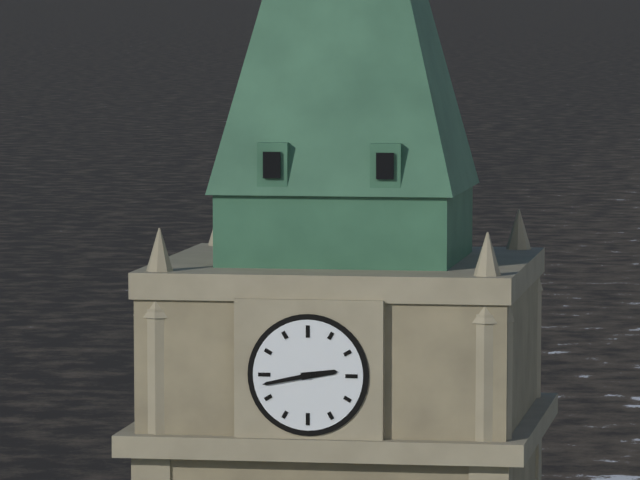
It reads **2:43**
